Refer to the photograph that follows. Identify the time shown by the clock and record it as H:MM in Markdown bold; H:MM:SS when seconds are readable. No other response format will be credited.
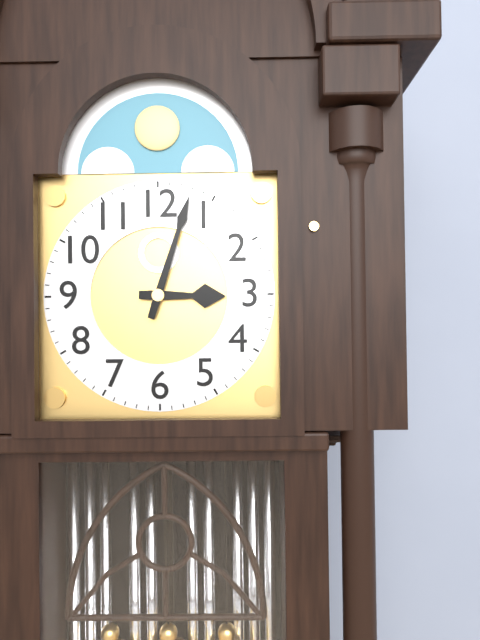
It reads **3:03**
